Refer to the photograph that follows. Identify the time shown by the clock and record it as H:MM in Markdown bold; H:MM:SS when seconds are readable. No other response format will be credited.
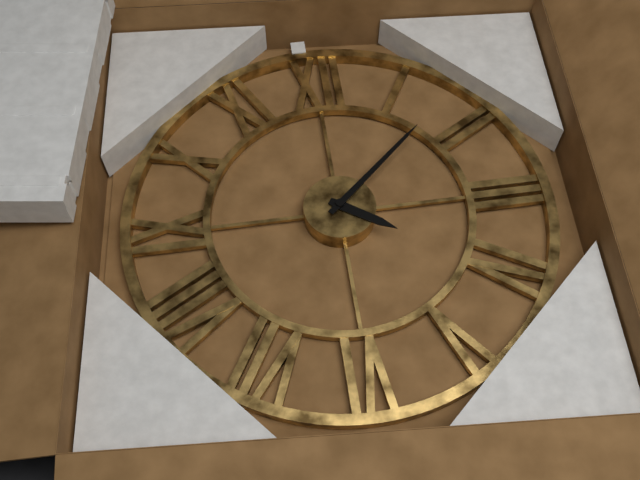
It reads **4:08**
